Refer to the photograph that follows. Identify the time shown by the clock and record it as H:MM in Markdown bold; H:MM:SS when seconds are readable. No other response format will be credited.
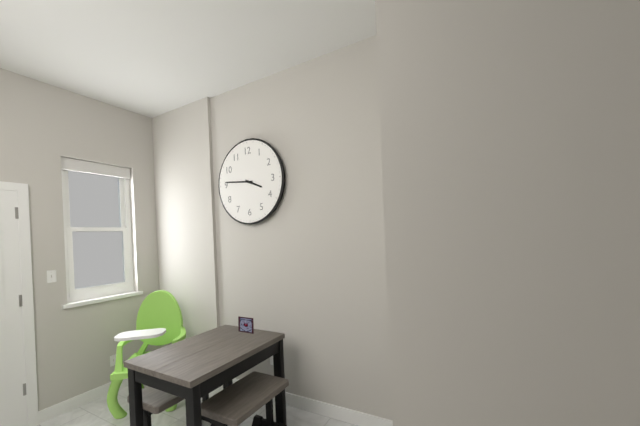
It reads **3:46**
